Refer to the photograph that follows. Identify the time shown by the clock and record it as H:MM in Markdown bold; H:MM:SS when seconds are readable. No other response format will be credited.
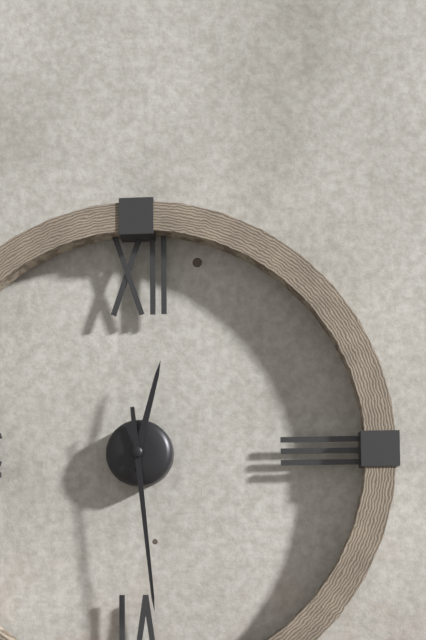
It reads **12:29**
